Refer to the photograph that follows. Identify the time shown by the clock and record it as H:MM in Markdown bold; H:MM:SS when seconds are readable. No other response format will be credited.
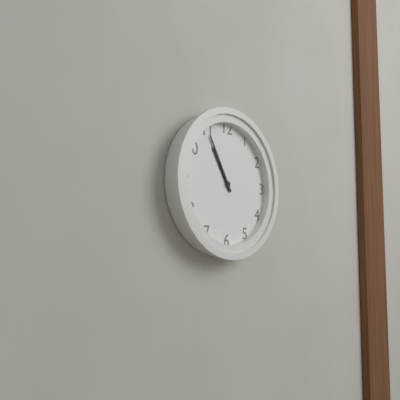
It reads **10:55**
